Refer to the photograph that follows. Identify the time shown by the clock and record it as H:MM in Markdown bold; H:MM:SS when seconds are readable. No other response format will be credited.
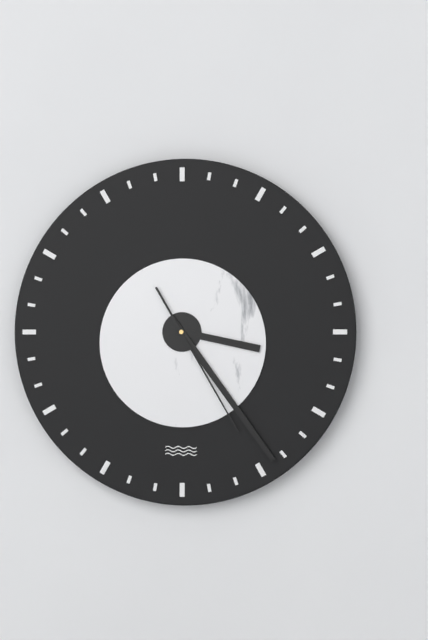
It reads **3:24:25**
